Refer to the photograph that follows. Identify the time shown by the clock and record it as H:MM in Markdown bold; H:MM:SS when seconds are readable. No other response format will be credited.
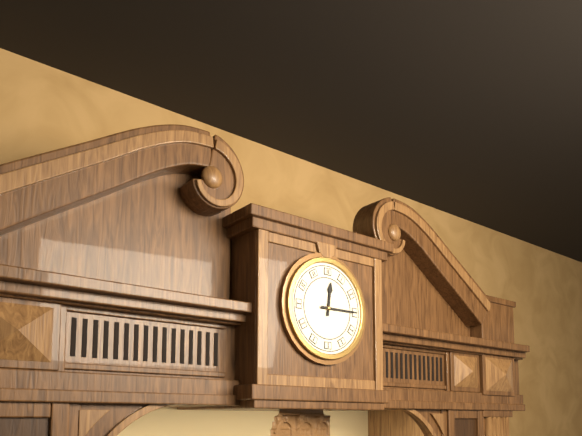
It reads **12:15**
